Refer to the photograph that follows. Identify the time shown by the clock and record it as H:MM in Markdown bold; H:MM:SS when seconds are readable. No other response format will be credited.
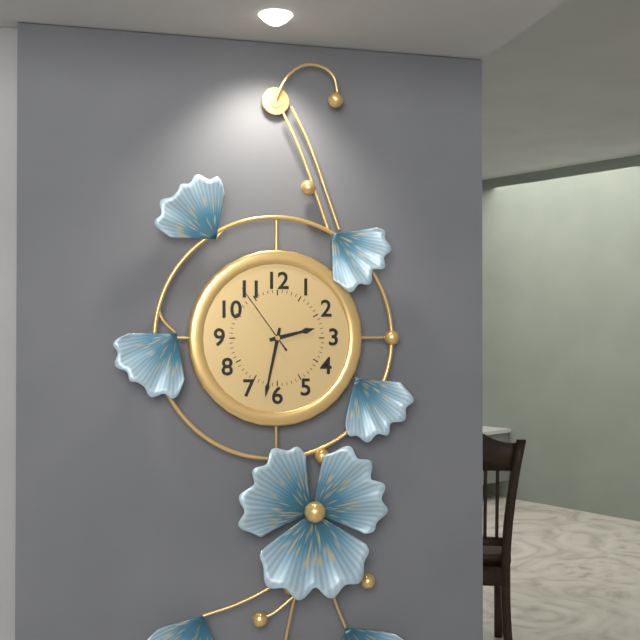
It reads **2:32:54**
